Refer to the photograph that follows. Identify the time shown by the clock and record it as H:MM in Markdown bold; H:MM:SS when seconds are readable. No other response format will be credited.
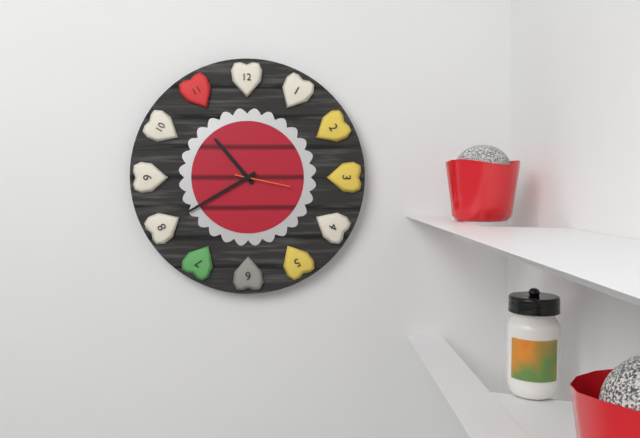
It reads **10:40:17**
